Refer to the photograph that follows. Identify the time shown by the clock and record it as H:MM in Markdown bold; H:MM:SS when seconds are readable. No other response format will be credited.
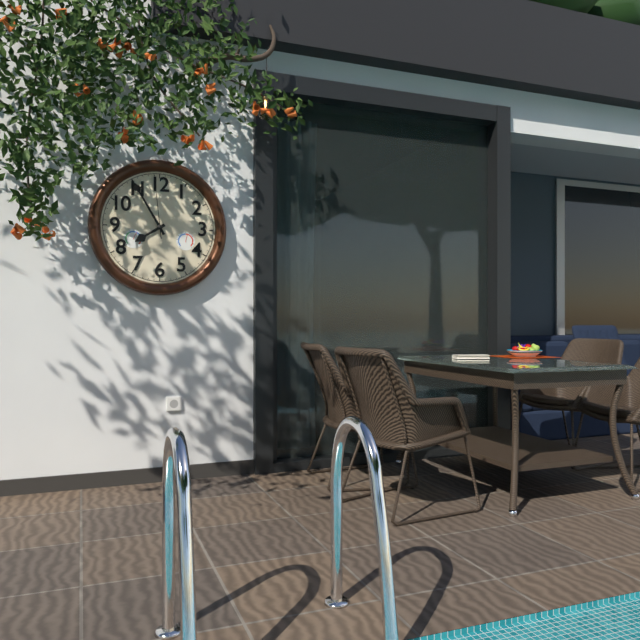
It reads **7:55:59**
